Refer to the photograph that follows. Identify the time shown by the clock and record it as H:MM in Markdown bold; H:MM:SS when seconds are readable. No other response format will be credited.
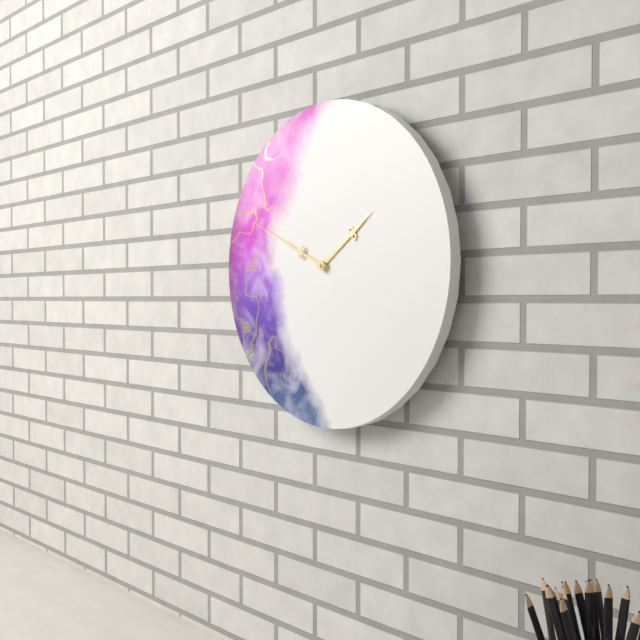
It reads **1:49**
